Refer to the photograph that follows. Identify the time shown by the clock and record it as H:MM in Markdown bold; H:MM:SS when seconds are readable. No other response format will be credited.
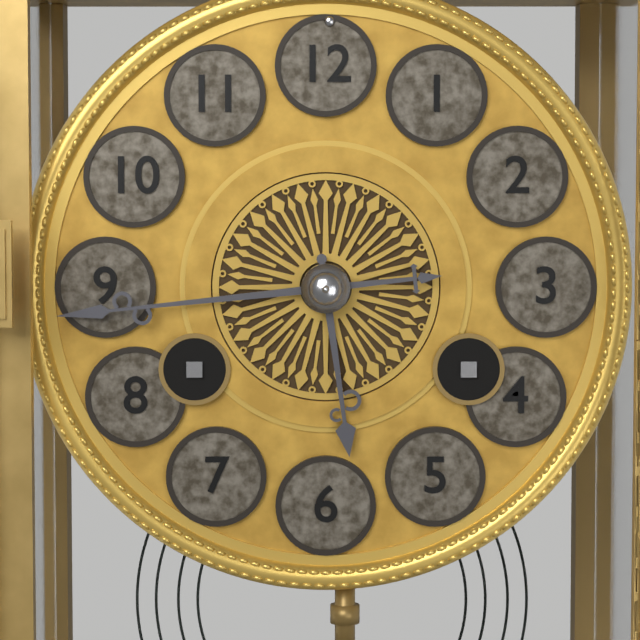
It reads **5:44**
